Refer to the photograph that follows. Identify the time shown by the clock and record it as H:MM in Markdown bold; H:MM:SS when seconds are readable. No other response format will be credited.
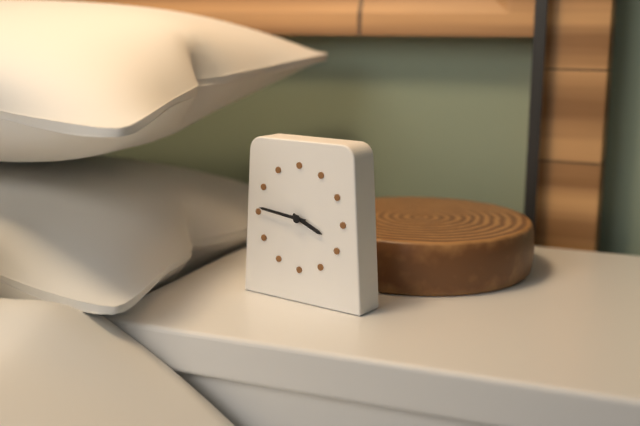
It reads **3:46**
